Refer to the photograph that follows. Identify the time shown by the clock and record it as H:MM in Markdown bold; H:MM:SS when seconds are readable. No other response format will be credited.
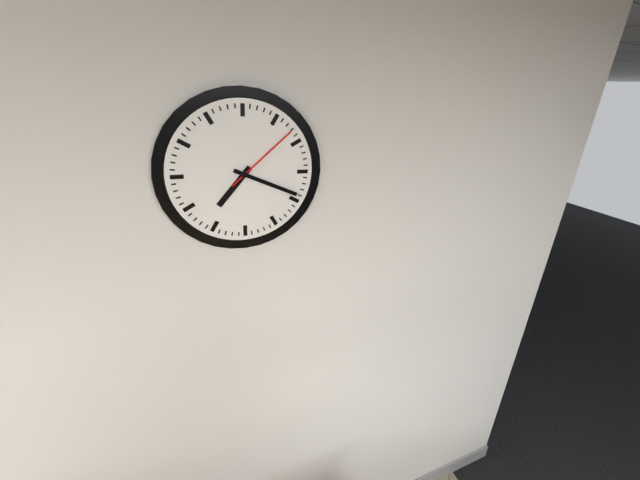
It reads **7:19:08**
